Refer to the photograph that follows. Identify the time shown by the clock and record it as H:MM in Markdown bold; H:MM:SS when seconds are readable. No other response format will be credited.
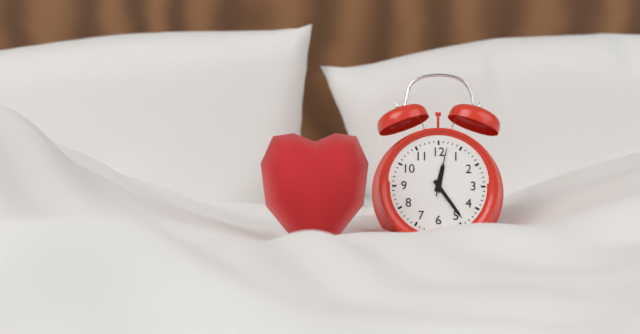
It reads **12:24:02**
